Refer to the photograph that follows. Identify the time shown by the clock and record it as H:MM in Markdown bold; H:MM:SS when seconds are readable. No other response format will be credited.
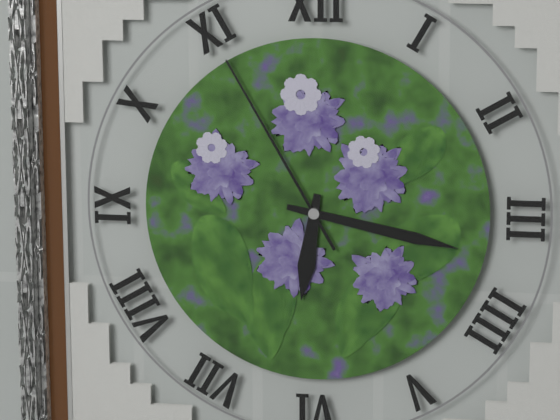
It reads **6:17:55**
